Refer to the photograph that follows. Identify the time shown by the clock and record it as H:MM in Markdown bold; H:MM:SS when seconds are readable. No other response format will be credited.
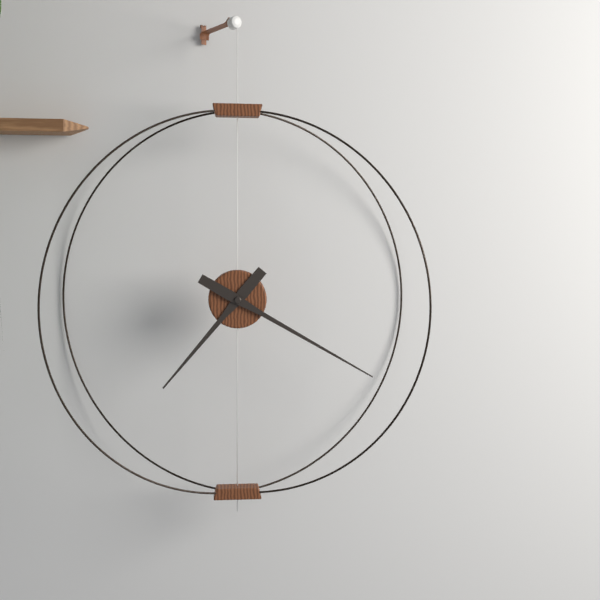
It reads **7:20**
